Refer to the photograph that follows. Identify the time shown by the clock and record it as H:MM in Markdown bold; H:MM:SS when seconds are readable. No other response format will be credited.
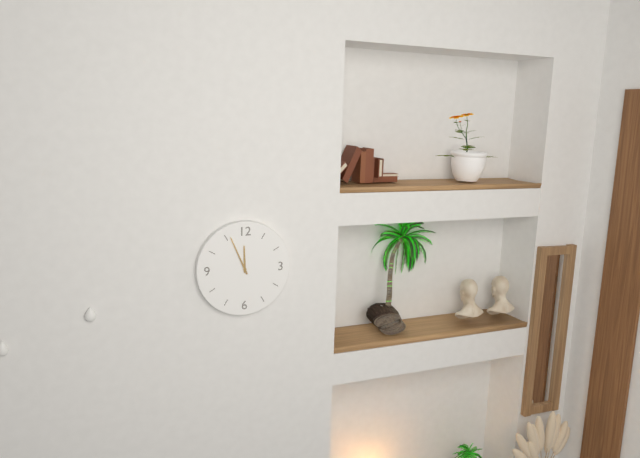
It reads **11:56**
